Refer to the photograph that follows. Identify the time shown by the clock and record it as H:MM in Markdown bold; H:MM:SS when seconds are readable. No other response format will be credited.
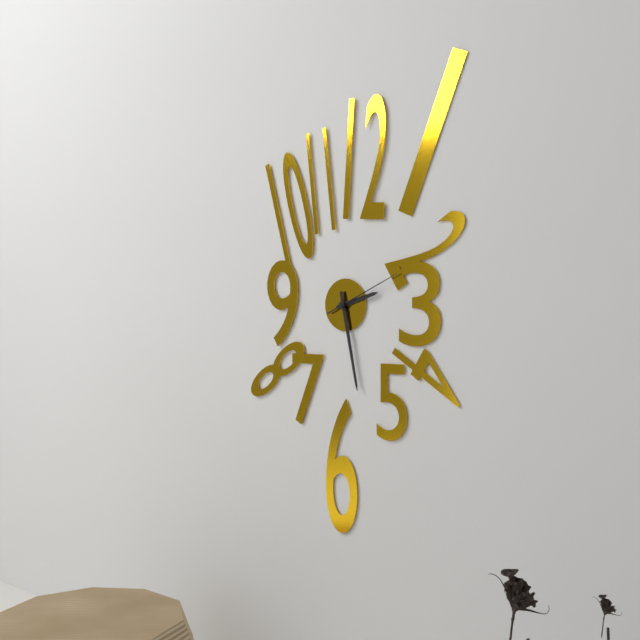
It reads **2:28:11**
